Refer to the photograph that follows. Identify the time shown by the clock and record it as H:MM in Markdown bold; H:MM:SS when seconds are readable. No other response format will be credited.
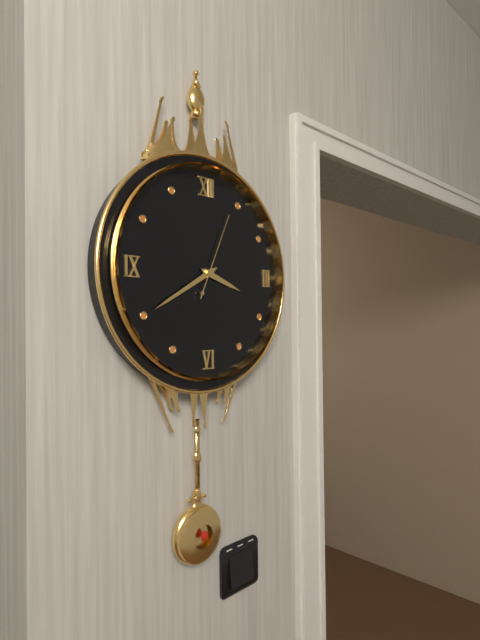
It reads **3:40:04**
